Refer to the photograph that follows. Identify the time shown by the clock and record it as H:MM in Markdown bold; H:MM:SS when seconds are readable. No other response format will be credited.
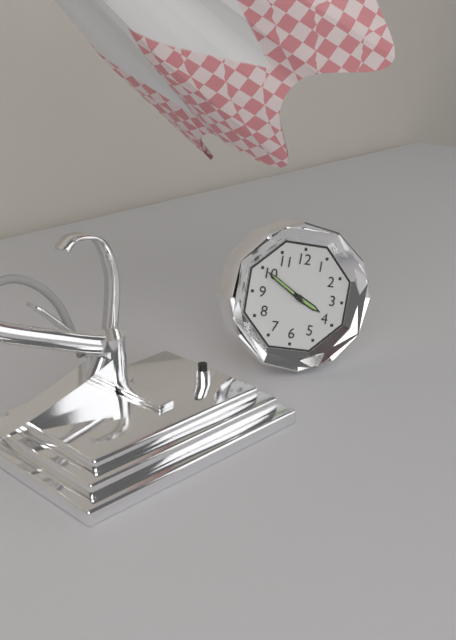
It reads **3:50**
